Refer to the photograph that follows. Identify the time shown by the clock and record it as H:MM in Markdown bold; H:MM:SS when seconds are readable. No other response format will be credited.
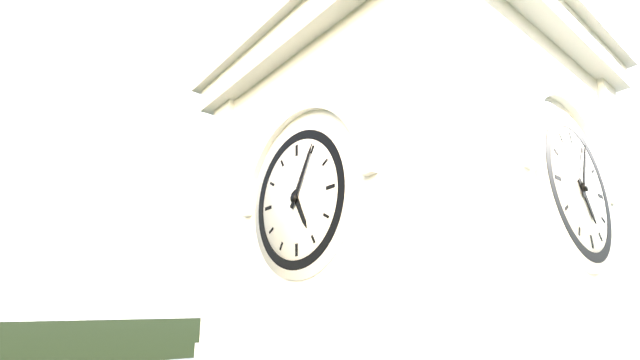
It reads **5:05**
